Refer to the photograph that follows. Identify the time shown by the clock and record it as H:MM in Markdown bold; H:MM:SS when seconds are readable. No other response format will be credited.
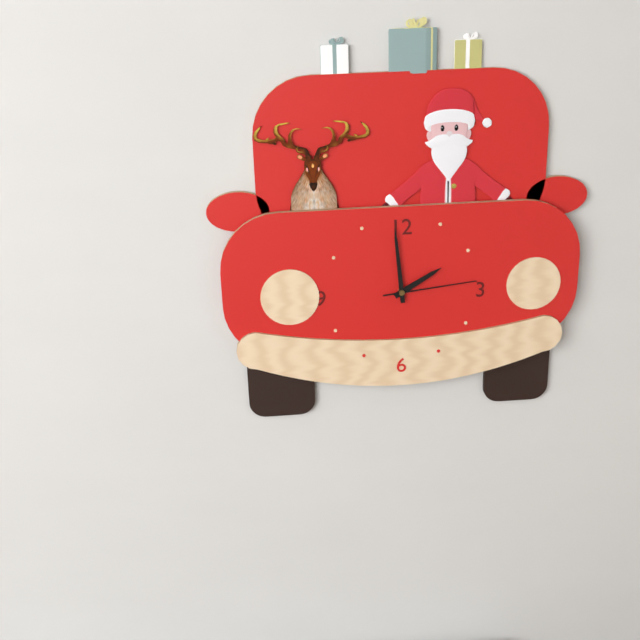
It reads **1:59:14**
